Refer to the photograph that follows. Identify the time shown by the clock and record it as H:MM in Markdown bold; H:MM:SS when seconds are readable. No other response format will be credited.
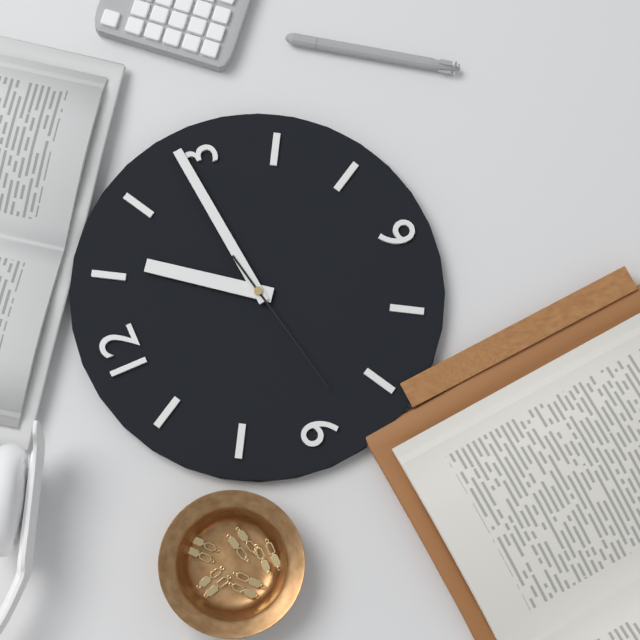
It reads **1:14:43**
